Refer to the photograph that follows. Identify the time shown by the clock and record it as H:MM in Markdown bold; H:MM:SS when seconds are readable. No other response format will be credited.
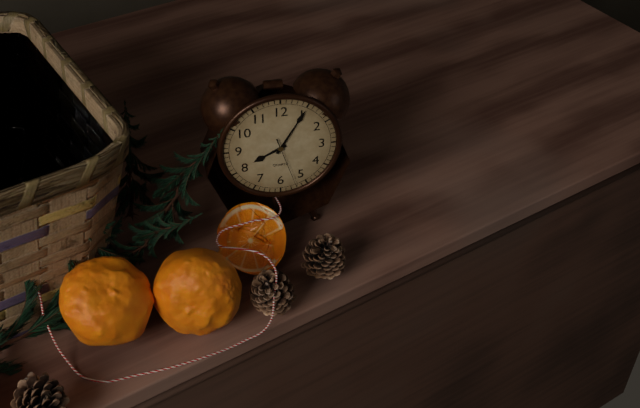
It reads **8:05:27**
